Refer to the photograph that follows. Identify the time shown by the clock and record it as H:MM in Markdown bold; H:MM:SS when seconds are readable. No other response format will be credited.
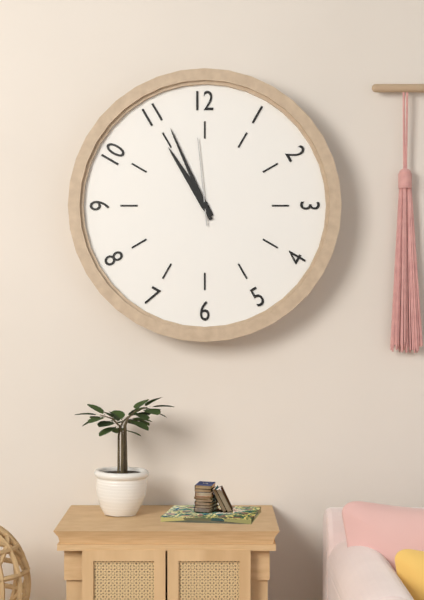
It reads **10:56:59**
